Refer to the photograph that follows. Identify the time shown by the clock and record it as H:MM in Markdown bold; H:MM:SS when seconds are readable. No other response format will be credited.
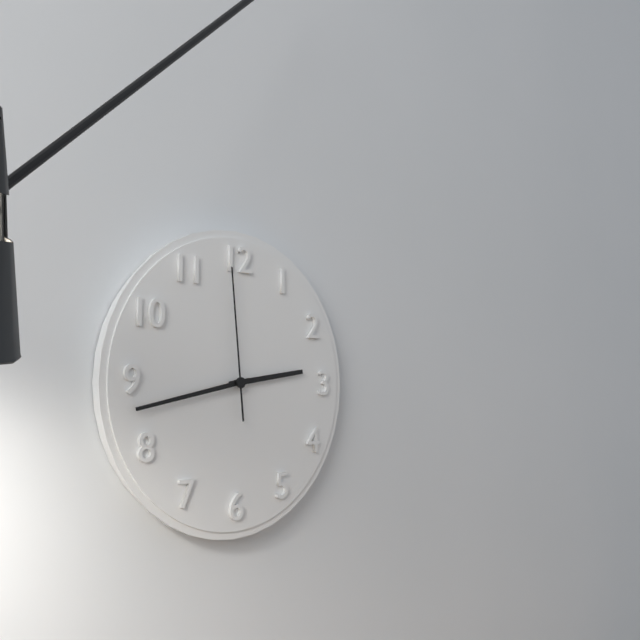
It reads **2:43:59**
